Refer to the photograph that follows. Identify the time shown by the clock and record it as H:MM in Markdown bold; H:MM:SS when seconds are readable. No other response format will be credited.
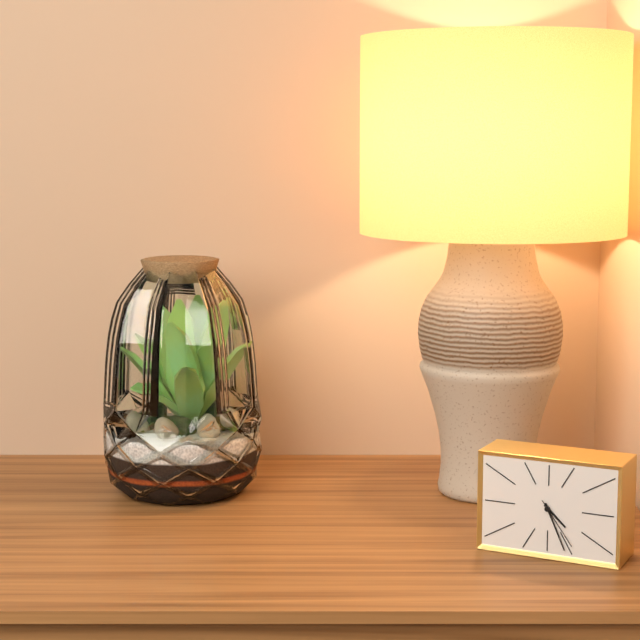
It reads **4:26:24**
